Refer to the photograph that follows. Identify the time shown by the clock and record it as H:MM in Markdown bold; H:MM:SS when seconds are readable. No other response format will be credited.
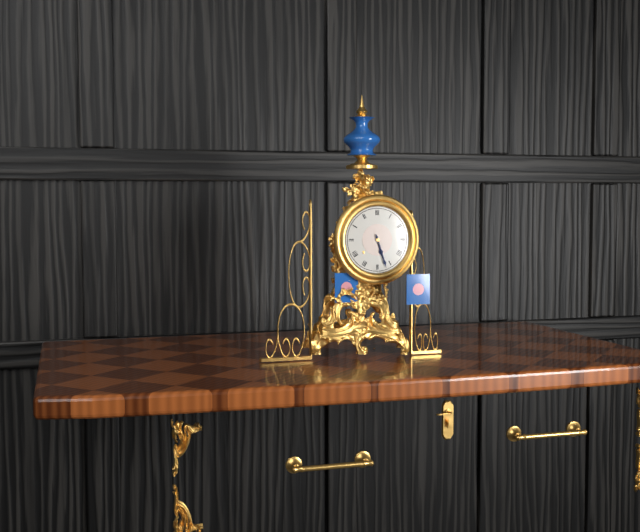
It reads **5:27**
